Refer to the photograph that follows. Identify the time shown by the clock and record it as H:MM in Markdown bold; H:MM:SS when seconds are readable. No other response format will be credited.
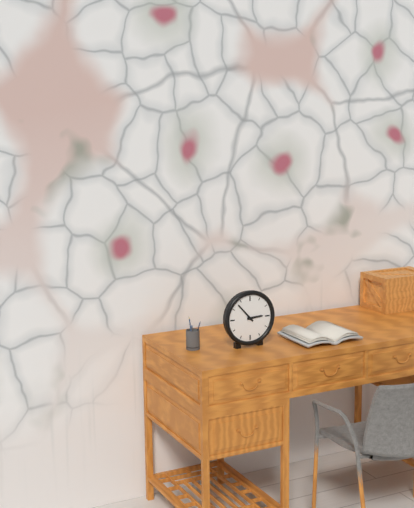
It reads **2:53**
